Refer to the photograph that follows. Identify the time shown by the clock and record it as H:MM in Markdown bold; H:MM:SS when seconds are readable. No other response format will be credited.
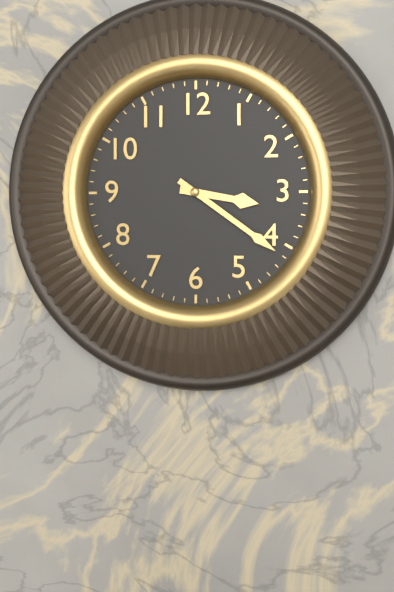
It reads **3:21**
